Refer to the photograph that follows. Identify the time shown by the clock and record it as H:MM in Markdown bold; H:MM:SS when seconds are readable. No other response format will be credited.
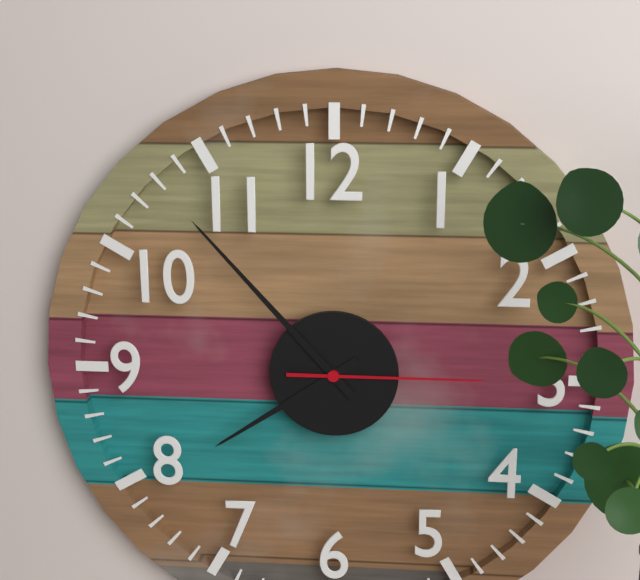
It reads **7:53:15**
